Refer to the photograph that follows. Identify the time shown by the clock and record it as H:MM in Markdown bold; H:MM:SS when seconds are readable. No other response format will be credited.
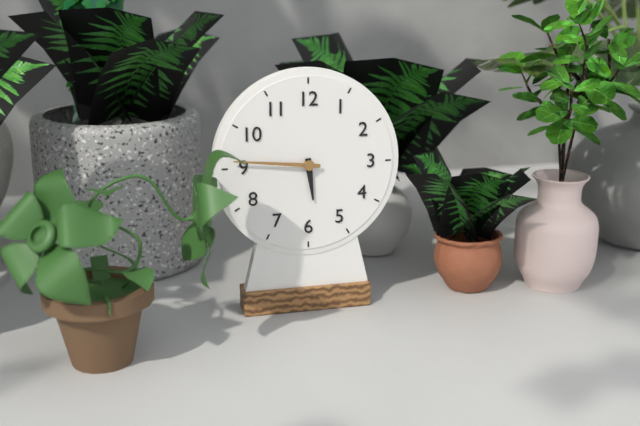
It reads **5:46**
